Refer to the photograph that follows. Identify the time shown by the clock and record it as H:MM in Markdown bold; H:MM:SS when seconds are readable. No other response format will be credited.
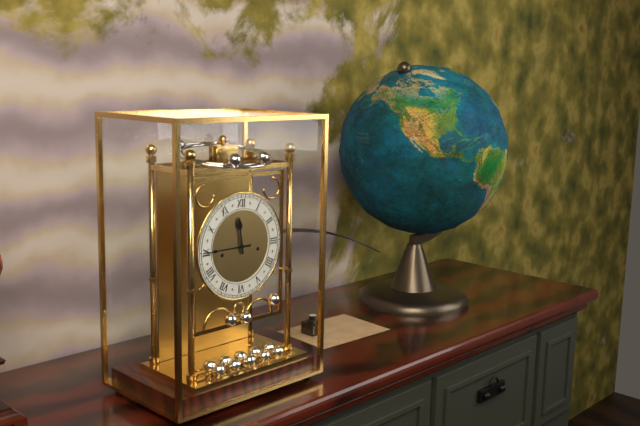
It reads **11:45**
